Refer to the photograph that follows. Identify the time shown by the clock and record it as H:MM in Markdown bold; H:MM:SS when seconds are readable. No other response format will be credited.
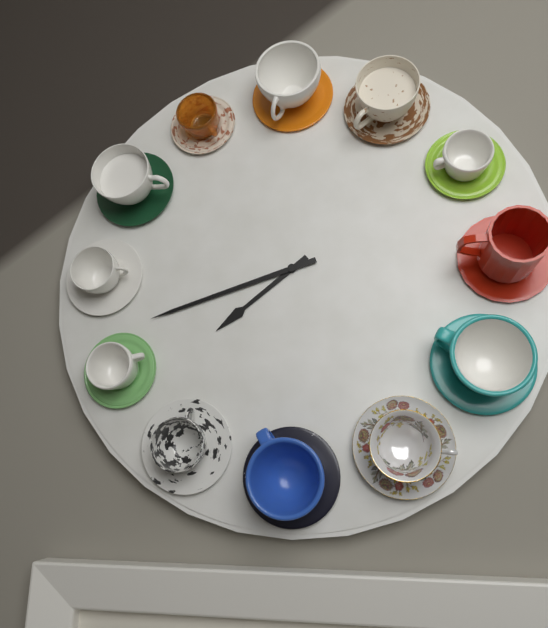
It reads **7:42**
